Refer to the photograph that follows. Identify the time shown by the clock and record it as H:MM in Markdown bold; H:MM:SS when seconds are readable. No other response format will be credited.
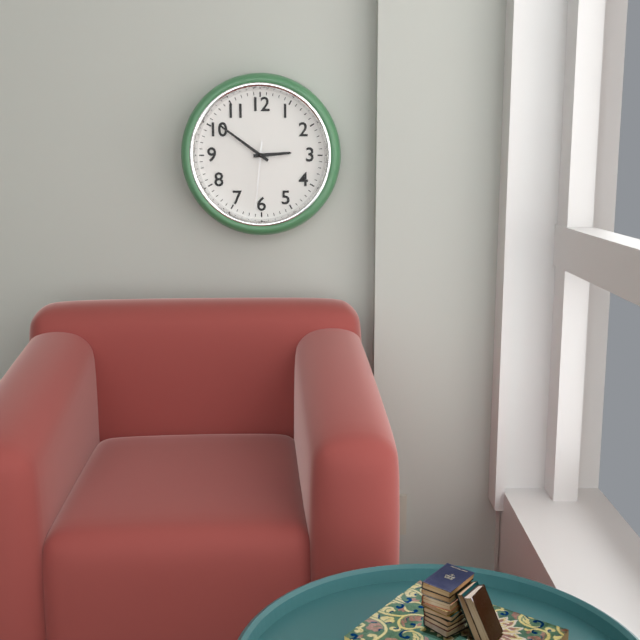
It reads **2:51:31**
